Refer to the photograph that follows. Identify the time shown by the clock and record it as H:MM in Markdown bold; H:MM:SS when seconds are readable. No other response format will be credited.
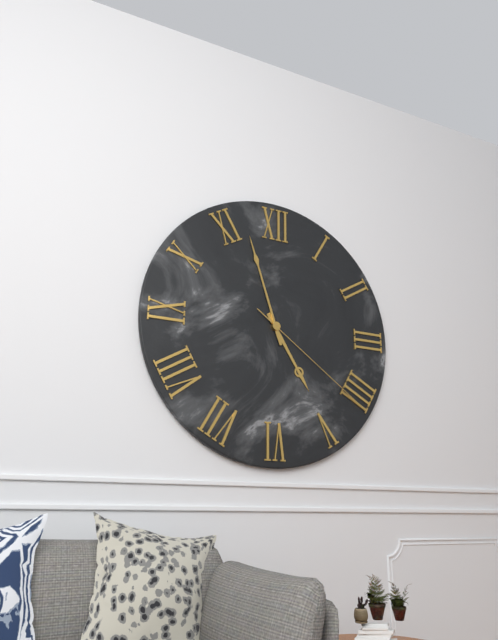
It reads **4:57:21**
